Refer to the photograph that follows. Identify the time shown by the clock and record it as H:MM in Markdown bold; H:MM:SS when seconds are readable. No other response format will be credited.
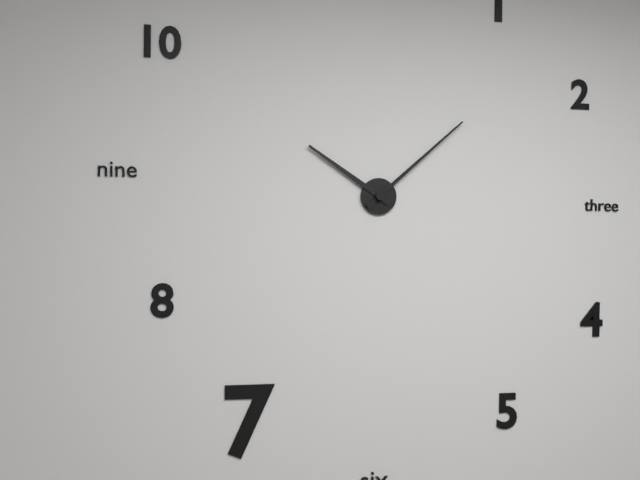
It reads **10:08**
